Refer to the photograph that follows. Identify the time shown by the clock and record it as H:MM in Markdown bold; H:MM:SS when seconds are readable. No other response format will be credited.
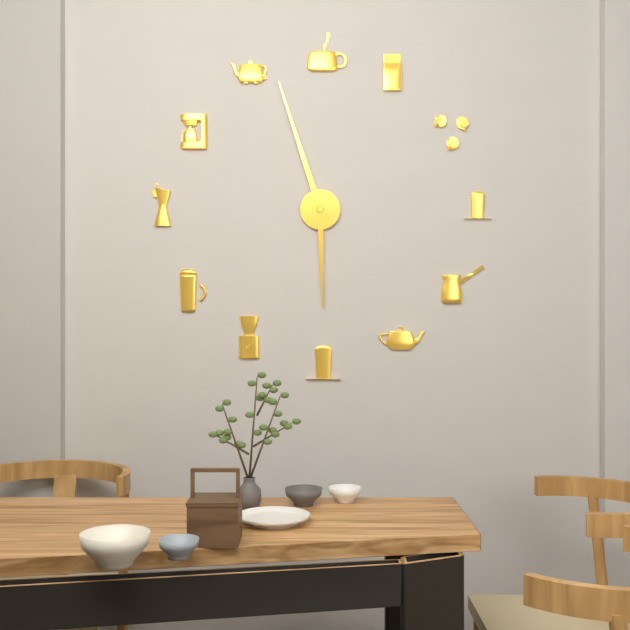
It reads **5:57**
